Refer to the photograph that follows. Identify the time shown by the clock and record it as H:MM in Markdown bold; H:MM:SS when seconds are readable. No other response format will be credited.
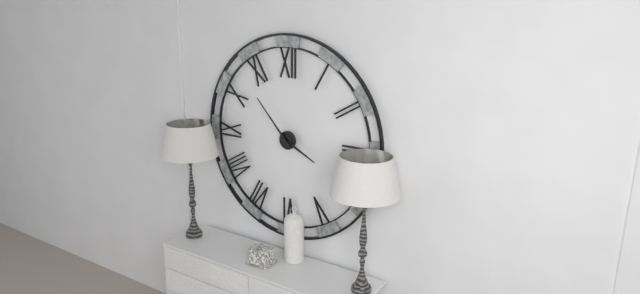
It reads **3:53**
